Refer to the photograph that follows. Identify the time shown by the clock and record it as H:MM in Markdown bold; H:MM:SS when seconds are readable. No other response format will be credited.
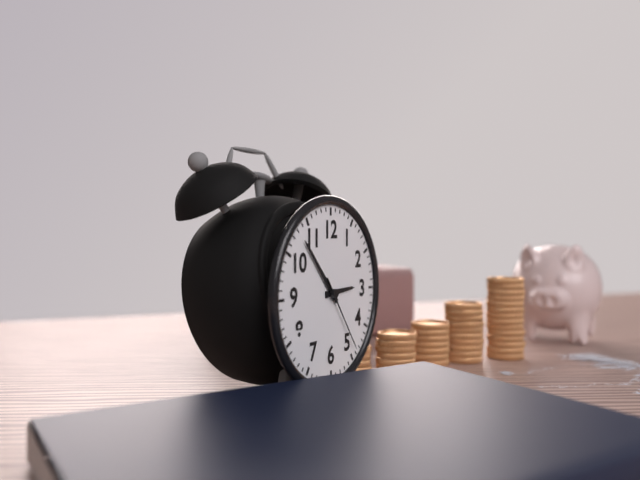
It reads **2:53:24**
